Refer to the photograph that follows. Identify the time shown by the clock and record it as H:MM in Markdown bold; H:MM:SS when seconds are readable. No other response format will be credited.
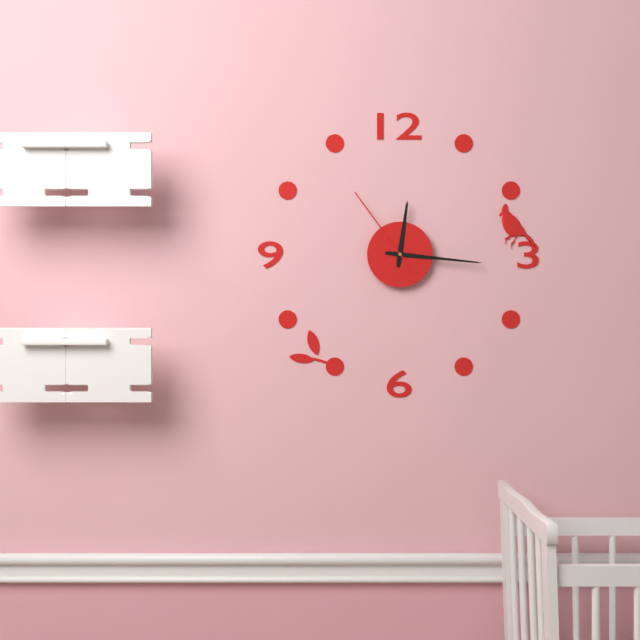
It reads **12:16:54**
